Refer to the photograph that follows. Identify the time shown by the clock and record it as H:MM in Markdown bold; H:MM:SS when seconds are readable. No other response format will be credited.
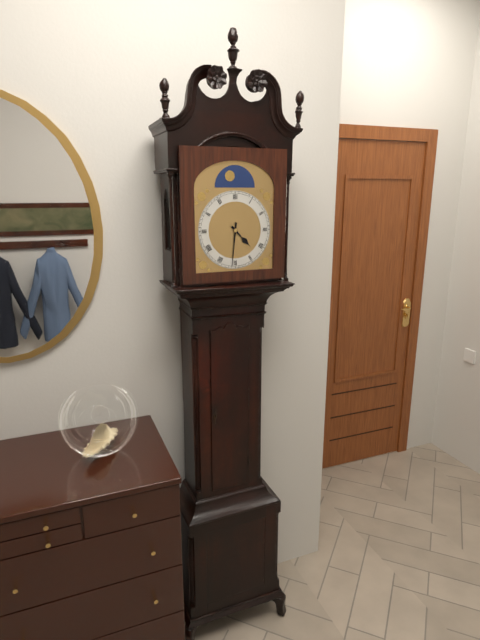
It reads **4:31**
